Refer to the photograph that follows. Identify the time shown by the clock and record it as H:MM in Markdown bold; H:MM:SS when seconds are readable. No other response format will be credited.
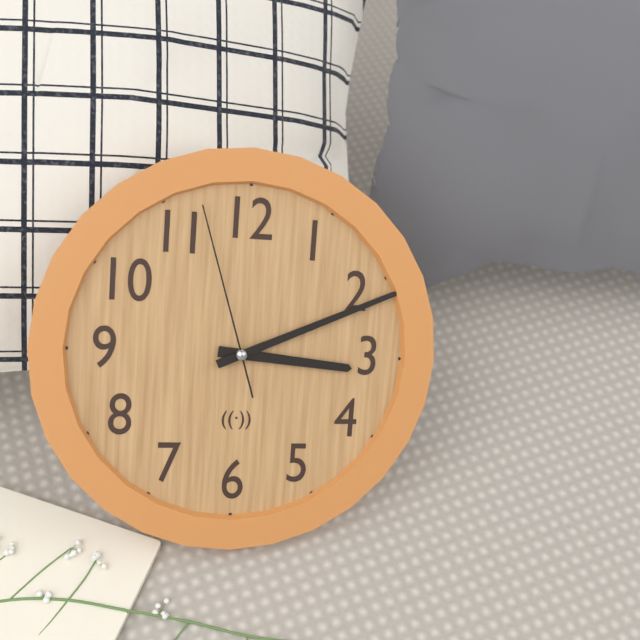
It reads **3:11:57**
